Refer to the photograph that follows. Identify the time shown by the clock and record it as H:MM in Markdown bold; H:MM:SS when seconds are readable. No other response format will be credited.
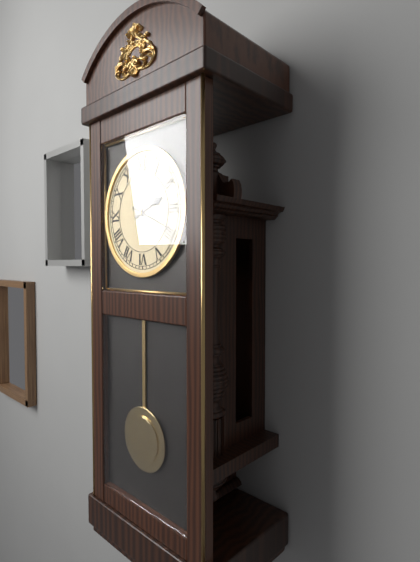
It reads **2:19**
